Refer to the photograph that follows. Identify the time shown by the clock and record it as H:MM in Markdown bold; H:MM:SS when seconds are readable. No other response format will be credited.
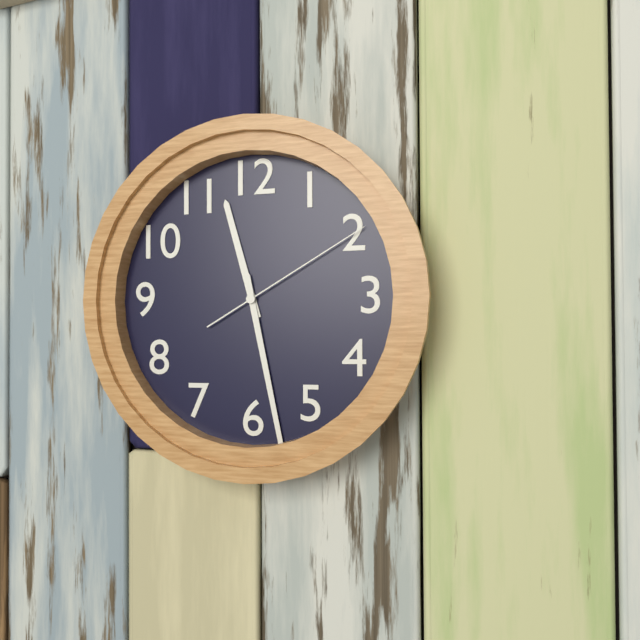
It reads **11:28:10**
